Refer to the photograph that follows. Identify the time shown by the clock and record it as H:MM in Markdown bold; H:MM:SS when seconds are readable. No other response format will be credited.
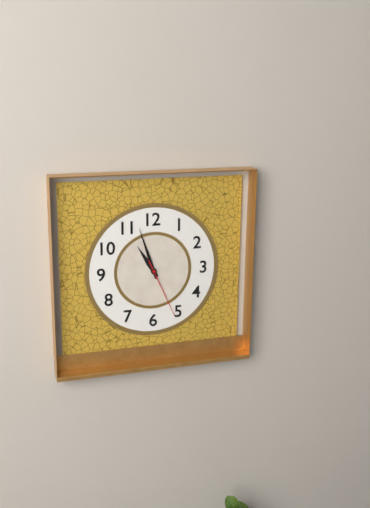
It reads **10:57:26**
